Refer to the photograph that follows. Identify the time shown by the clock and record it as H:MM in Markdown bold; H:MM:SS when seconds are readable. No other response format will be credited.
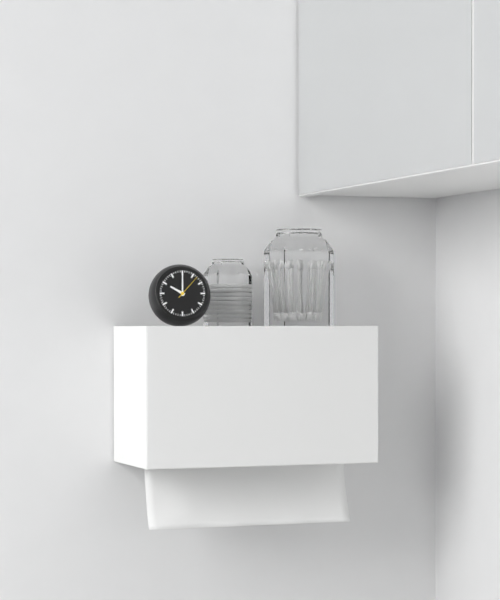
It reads **10:00**
